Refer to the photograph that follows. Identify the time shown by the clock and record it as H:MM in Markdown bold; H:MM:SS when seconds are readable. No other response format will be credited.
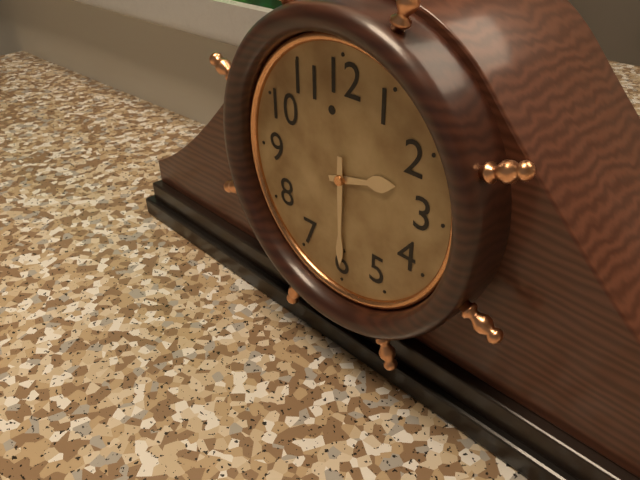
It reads **2:30**
